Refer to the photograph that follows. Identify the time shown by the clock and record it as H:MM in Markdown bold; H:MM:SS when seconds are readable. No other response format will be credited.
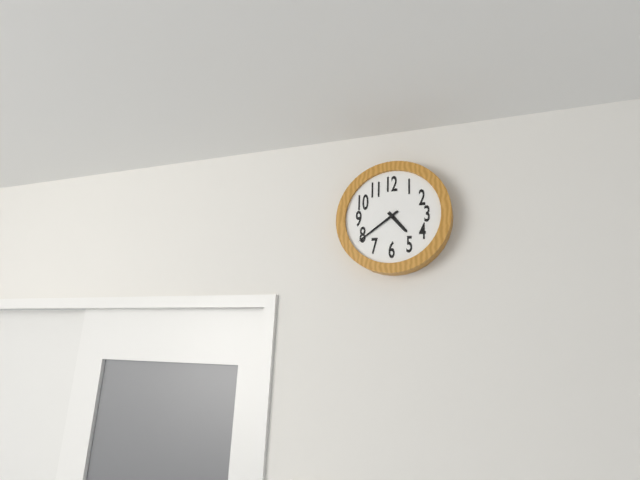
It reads **4:39**
